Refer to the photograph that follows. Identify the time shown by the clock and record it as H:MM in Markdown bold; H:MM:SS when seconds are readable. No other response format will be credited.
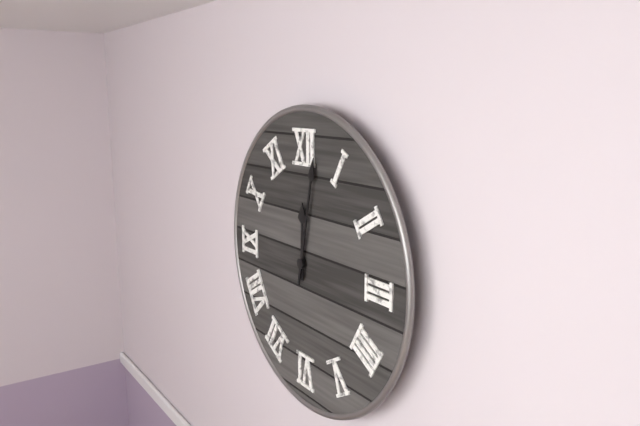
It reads **12:02**
